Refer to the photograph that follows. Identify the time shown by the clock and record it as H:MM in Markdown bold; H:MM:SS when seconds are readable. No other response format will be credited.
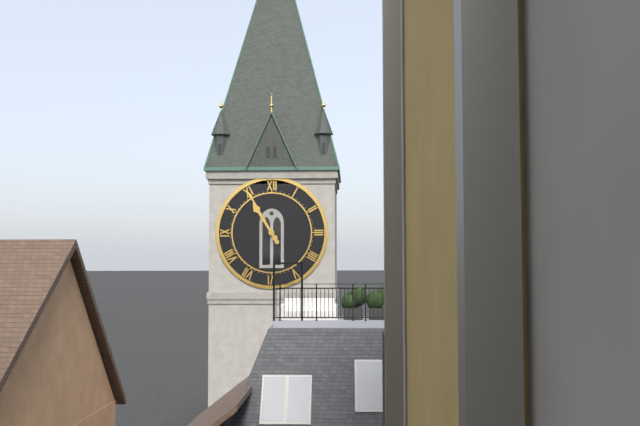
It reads **10:55**
